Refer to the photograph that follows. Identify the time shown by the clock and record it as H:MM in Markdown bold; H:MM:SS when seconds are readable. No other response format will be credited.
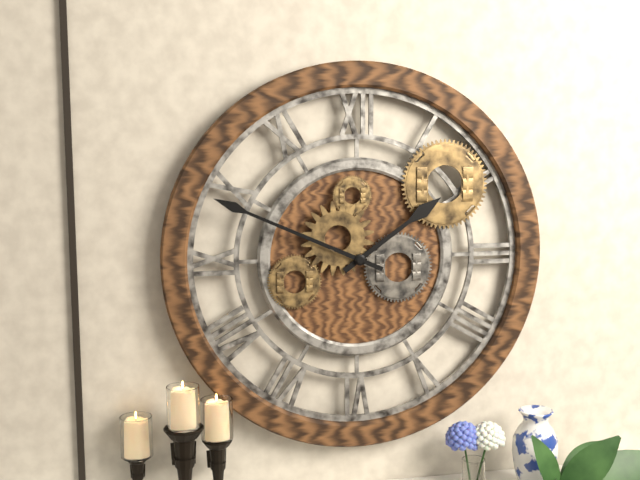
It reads **1:49**
